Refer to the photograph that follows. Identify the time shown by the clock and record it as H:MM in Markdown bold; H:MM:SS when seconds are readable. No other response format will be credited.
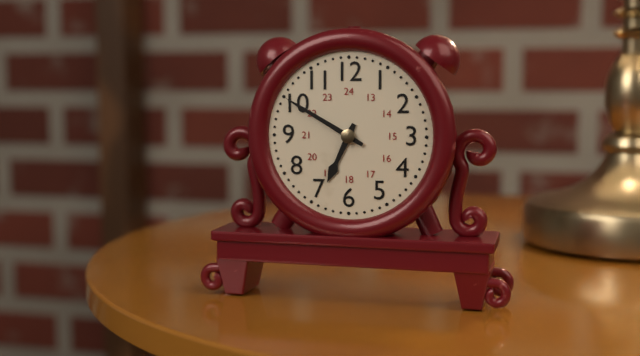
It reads **6:50**
